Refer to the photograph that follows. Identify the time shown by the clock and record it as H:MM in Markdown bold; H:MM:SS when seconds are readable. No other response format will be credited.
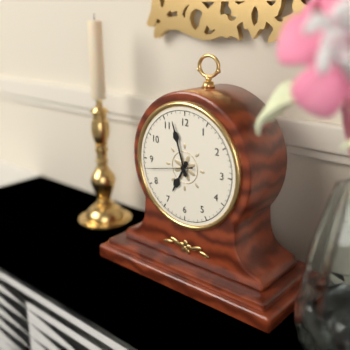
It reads **6:57**
